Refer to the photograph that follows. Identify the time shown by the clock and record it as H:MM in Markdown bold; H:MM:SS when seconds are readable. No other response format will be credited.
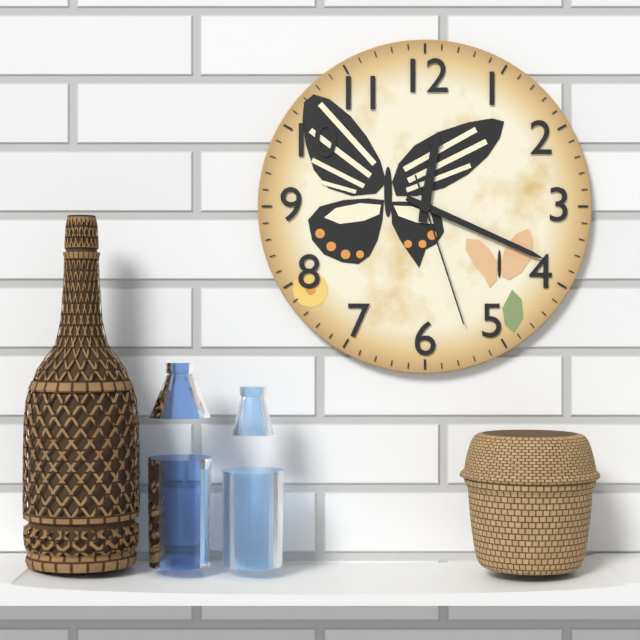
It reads **12:19:27**
